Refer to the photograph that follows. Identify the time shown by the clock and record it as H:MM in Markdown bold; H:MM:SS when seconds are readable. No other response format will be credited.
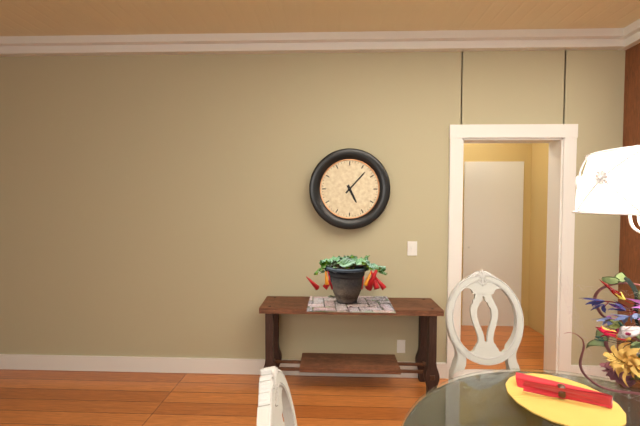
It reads **5:07**
